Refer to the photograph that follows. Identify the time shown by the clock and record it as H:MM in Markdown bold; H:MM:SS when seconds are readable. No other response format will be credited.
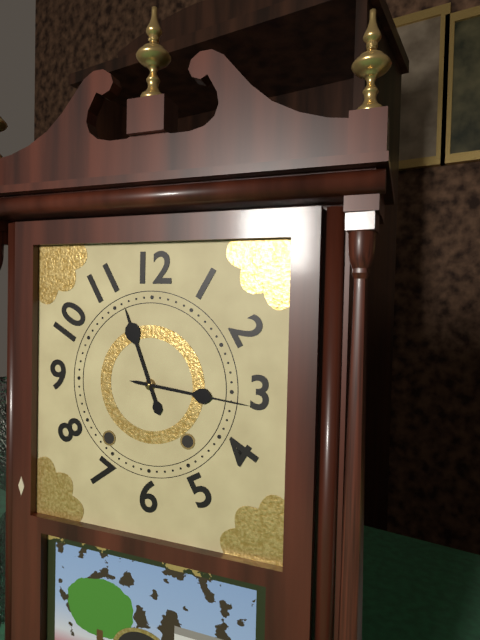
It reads **11:16**
